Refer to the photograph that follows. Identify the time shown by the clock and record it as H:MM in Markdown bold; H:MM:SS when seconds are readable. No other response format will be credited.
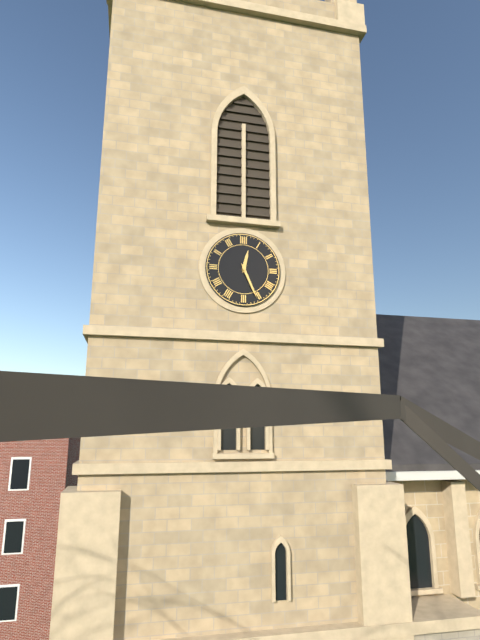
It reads **12:26**
